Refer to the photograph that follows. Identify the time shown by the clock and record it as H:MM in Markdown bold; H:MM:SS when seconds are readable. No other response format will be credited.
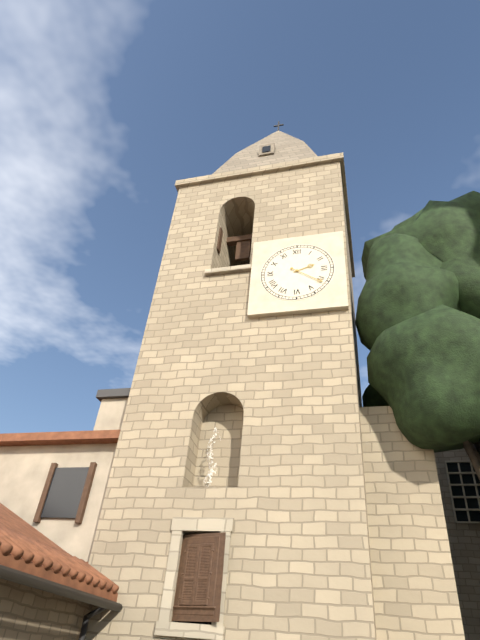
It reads **2:21**
